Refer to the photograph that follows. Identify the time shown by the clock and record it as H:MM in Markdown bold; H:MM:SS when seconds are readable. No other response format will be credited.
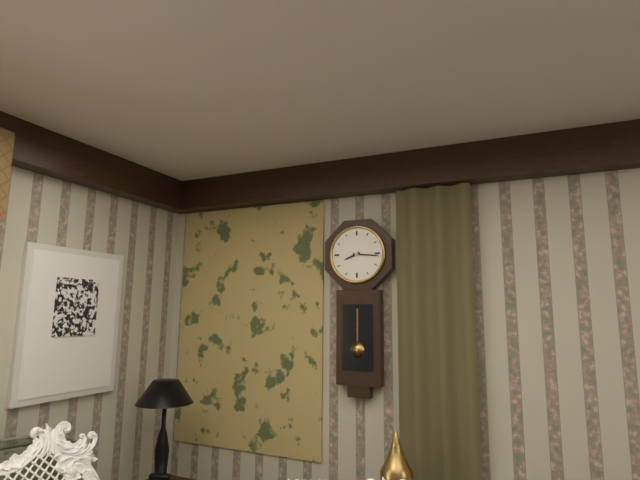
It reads **8:16**
